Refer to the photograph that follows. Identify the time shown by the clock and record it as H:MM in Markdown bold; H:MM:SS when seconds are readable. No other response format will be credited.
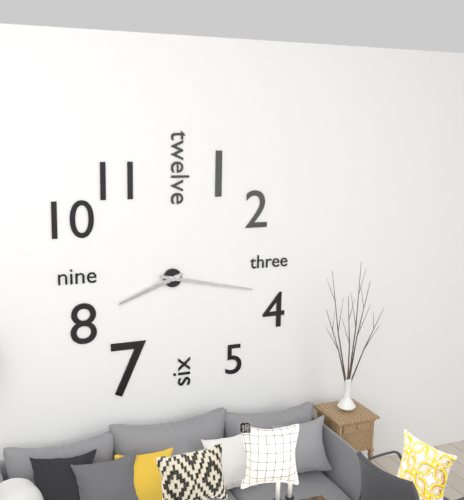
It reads **8:17**
